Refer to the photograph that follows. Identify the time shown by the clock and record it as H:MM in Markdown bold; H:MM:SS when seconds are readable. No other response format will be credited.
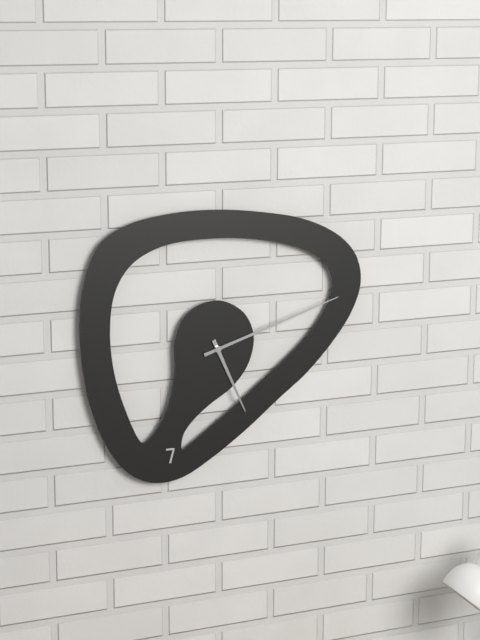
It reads **5:12**
